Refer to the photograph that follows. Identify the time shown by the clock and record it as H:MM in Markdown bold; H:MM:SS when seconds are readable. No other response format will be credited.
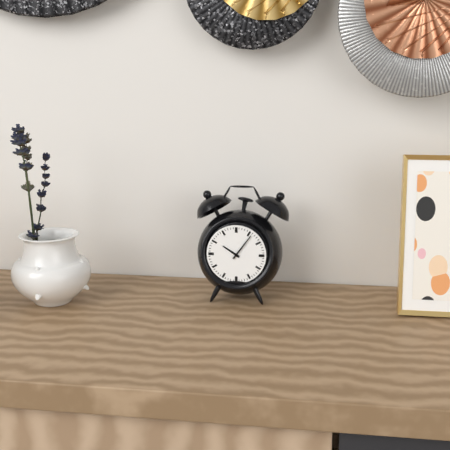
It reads **10:06**
